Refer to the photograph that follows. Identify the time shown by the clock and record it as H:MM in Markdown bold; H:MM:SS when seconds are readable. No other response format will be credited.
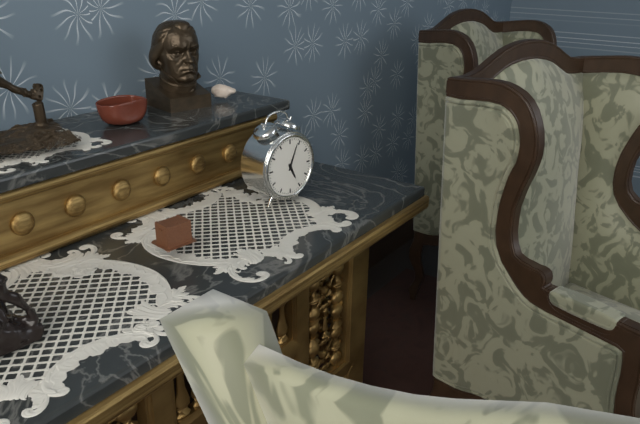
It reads **5:04**
